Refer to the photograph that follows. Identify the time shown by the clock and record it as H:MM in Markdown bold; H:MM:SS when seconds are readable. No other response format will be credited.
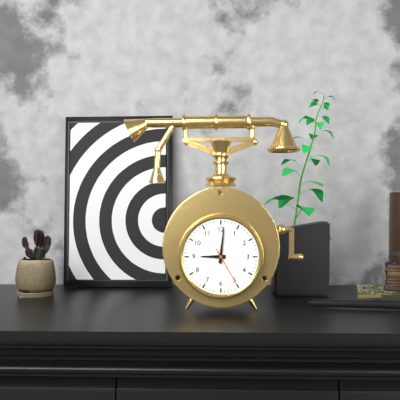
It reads **9:01**
